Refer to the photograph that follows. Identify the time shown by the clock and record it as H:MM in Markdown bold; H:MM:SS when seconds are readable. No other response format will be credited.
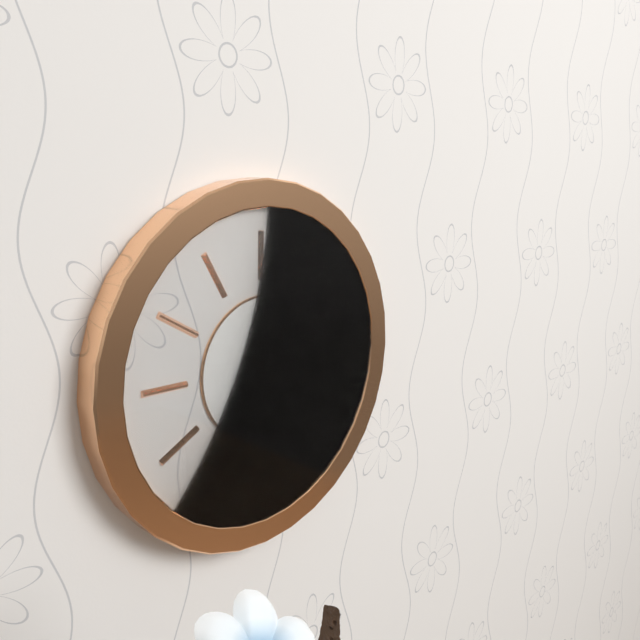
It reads **1:25**
